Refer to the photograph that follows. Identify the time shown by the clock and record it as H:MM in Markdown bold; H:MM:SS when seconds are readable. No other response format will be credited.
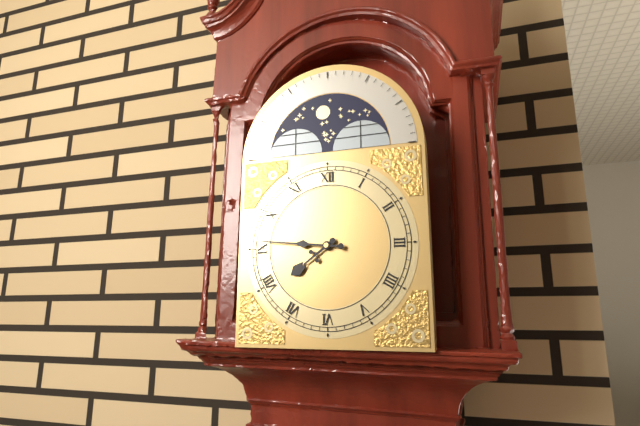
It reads **7:46**
